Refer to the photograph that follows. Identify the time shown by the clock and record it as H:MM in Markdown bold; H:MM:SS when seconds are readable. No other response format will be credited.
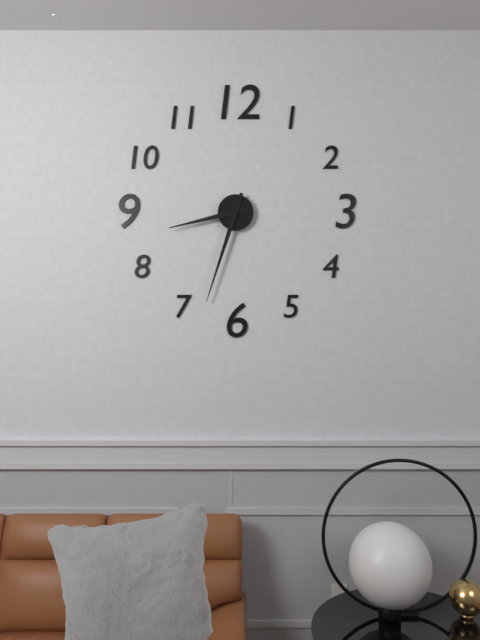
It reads **8:33**
